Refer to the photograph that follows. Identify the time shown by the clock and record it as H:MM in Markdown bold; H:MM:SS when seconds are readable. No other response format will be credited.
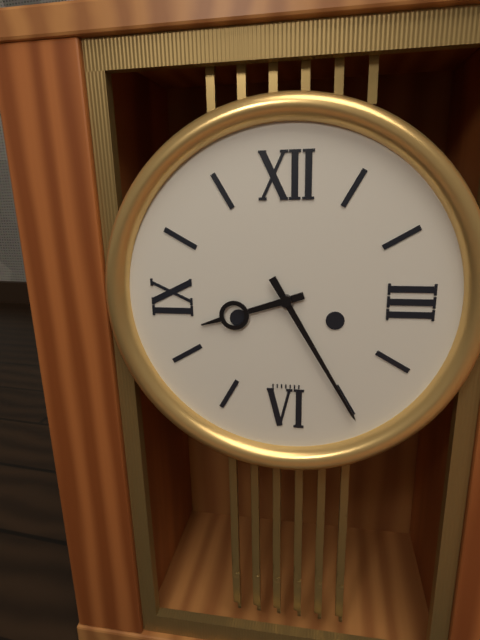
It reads **8:25**
